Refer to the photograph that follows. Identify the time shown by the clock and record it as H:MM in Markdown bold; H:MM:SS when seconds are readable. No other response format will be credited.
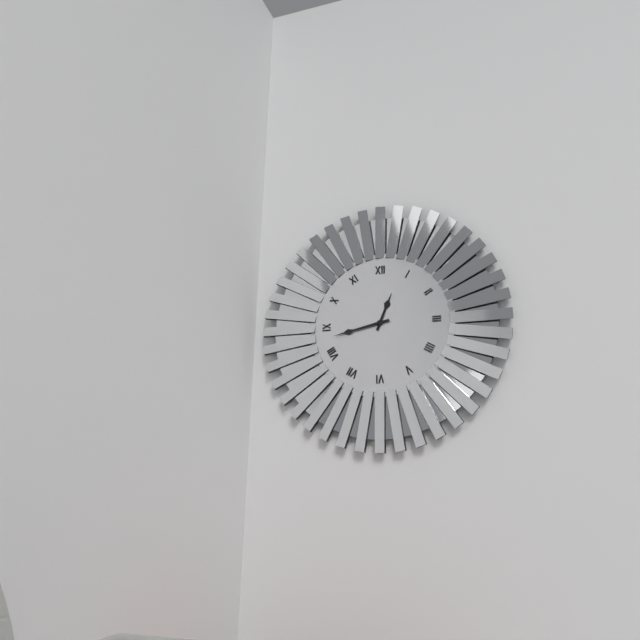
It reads **12:43**
